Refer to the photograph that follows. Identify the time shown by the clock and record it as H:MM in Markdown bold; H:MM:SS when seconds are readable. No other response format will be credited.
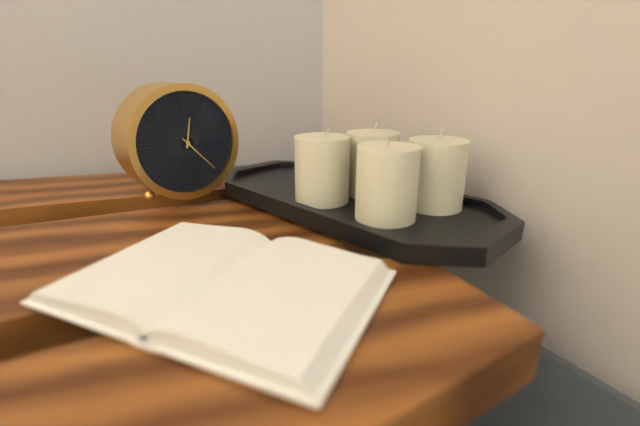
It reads **12:23**
